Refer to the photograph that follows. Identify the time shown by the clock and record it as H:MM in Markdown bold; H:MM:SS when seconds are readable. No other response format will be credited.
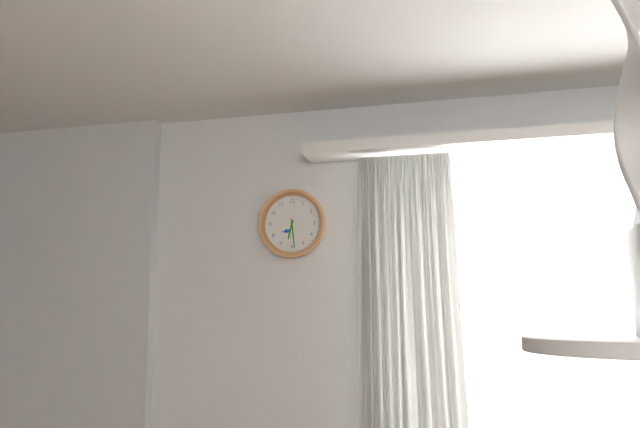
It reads **6:29**
